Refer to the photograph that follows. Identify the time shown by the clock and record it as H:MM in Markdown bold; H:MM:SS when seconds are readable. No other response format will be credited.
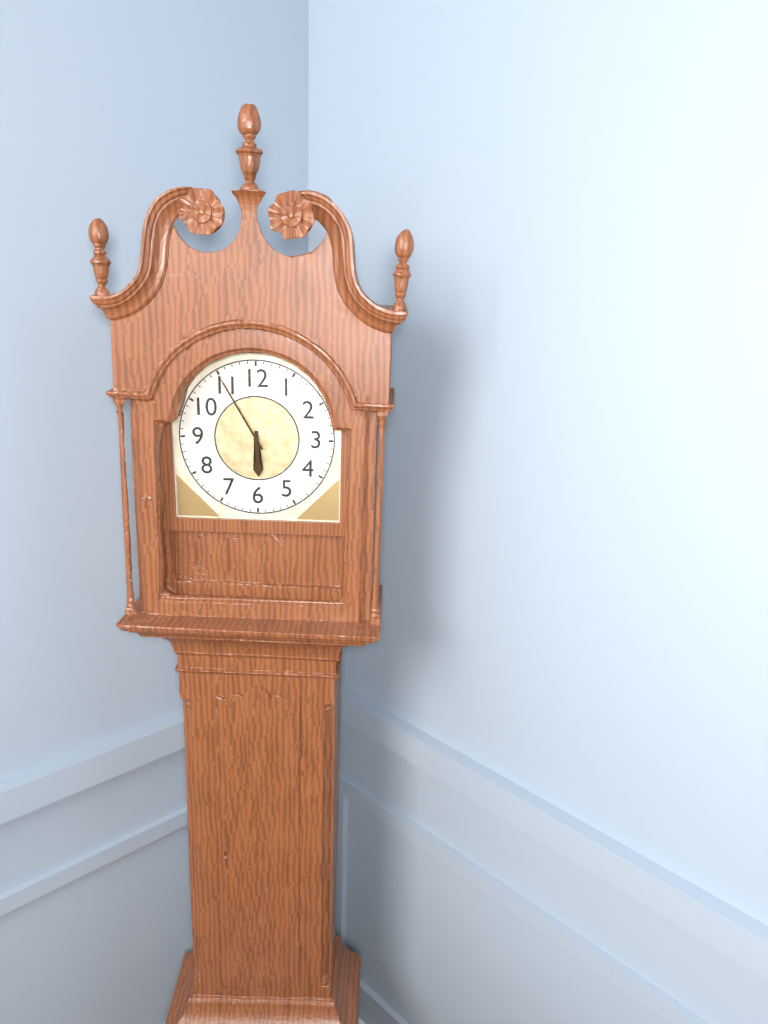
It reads **5:55**
